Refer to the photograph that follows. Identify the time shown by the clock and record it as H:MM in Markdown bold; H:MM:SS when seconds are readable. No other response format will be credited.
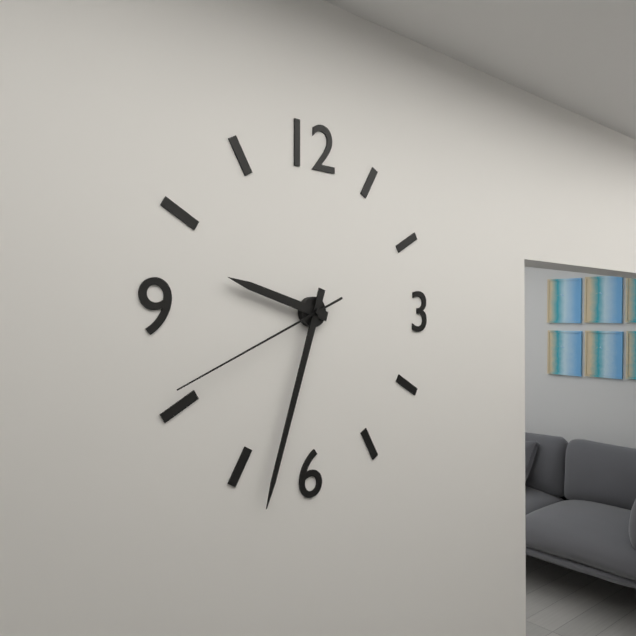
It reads **9:33:41**
